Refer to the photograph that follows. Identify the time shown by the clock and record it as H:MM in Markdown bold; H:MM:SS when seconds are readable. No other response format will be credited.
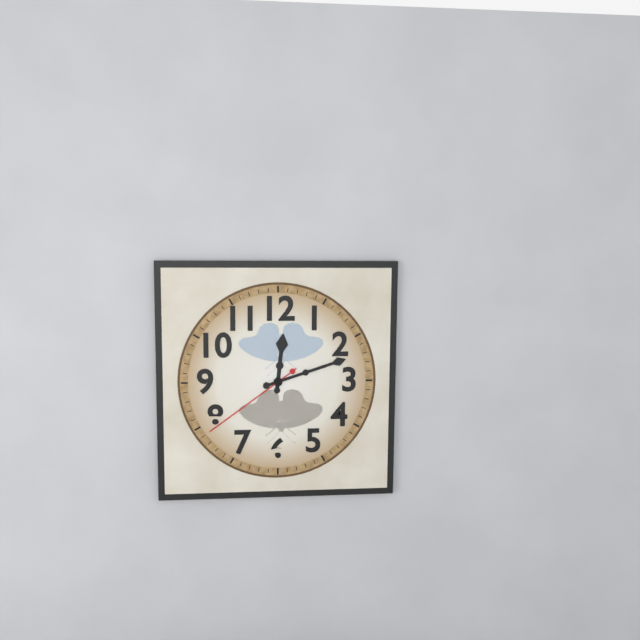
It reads **12:12:39**
